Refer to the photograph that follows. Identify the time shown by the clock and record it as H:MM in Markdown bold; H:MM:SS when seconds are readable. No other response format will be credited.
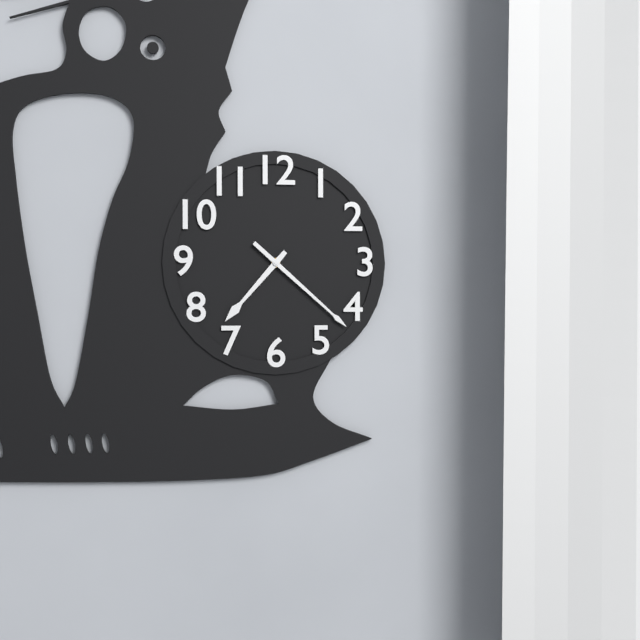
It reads **7:22**
